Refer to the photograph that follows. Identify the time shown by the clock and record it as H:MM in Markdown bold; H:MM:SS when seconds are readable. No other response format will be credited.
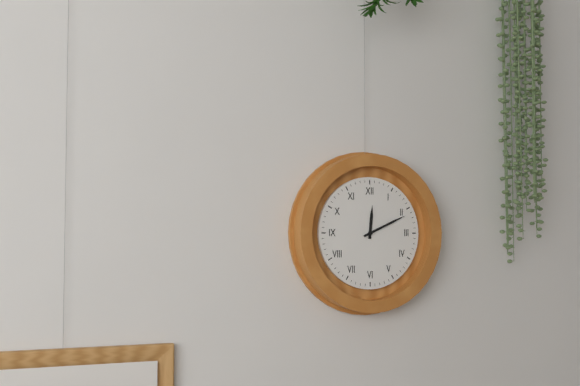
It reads **12:11**
